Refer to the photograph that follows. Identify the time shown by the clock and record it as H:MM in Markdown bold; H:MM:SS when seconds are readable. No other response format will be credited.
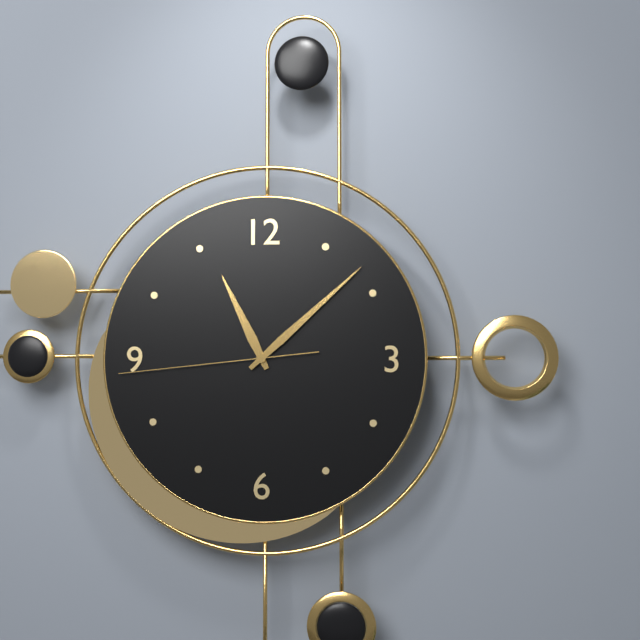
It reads **11:08:44**
